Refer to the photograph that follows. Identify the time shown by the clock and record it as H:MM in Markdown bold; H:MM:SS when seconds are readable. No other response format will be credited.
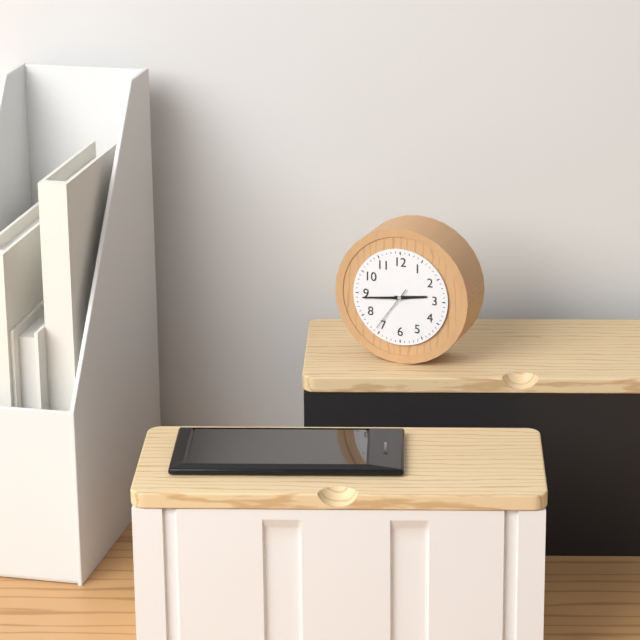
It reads **2:44**
